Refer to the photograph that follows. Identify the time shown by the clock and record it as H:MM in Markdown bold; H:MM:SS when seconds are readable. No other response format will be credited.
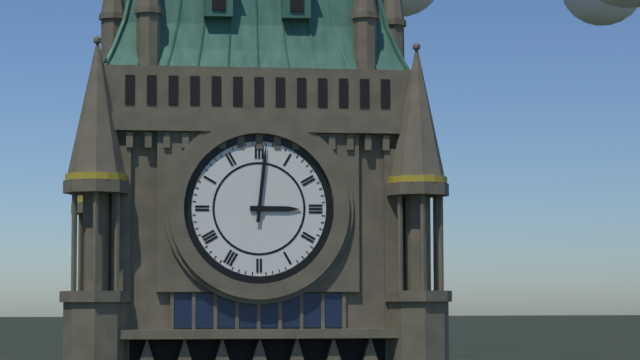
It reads **3:01**
